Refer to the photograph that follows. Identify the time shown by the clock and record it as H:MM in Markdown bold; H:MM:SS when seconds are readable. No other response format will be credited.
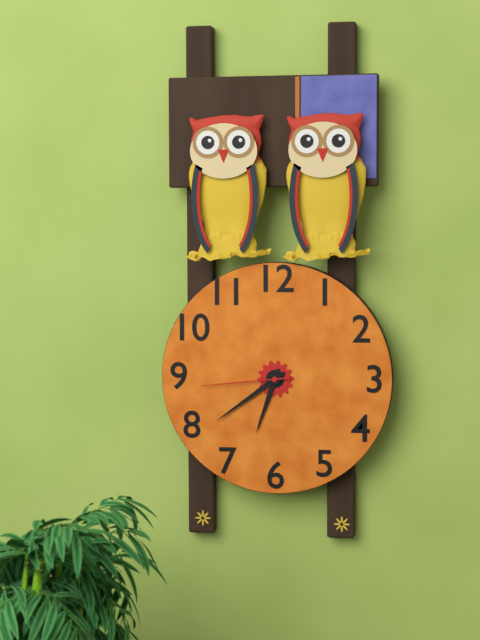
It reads **6:39:44**
